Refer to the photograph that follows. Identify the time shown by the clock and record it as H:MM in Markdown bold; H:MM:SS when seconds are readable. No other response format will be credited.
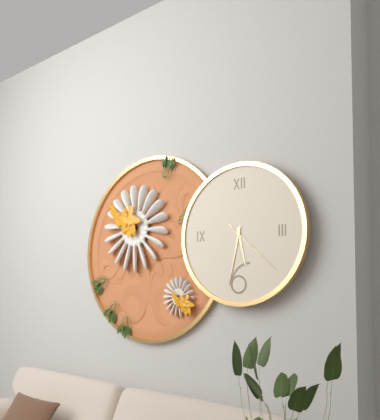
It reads **5:32:22**
